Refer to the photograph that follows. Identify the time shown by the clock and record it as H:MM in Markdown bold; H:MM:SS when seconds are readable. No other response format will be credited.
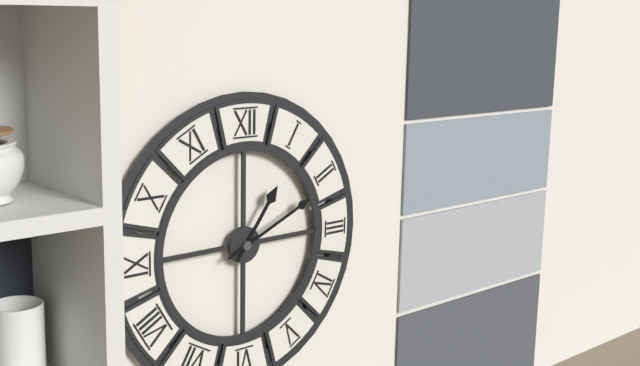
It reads **1:11**
